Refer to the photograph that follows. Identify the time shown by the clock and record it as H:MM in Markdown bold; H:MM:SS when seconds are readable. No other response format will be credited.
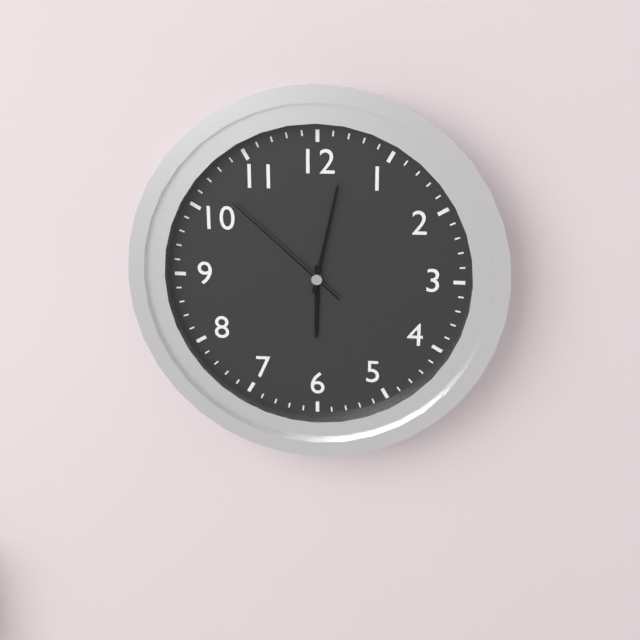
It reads **6:02:52**
